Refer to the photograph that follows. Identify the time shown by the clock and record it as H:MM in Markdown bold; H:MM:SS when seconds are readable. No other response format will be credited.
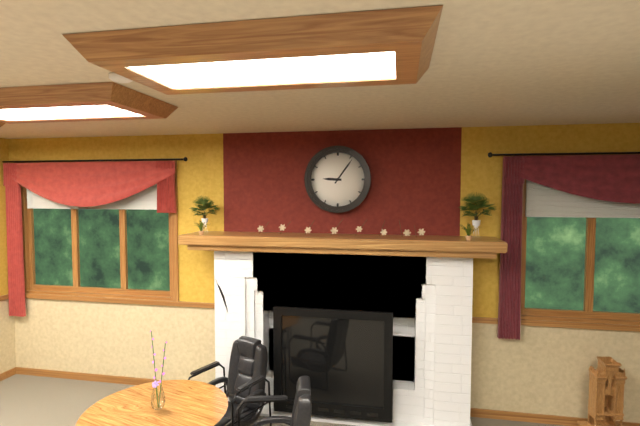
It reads **9:06**
